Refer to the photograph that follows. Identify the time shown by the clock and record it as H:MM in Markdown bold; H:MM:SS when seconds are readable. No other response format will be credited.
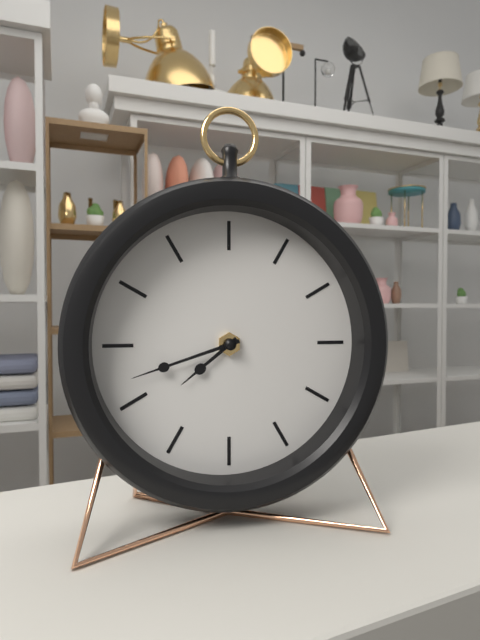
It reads **7:42**
